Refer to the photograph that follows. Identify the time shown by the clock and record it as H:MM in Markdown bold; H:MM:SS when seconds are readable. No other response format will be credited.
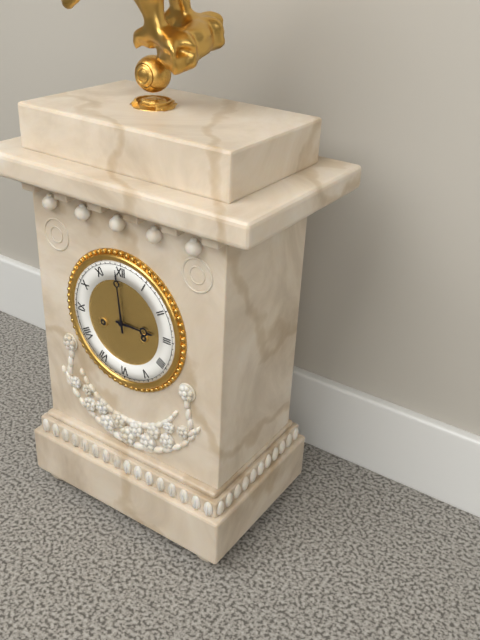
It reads **2:59**
